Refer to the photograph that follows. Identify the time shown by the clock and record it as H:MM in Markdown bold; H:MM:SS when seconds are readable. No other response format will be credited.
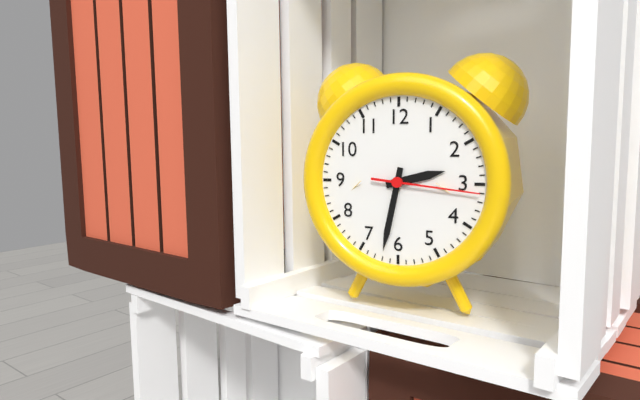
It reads **2:32:16**
